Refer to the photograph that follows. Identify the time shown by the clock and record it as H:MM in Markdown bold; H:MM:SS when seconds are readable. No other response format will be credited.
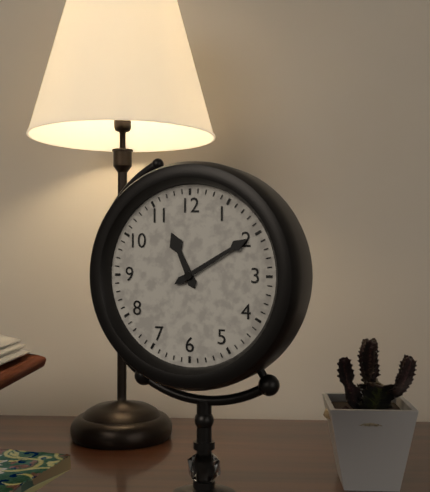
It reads **11:10**
